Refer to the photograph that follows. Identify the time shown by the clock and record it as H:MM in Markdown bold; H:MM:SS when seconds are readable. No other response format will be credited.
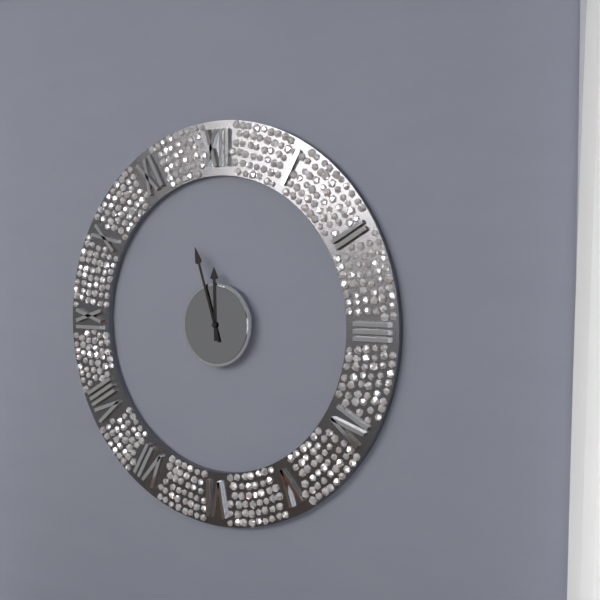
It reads **11:57**
